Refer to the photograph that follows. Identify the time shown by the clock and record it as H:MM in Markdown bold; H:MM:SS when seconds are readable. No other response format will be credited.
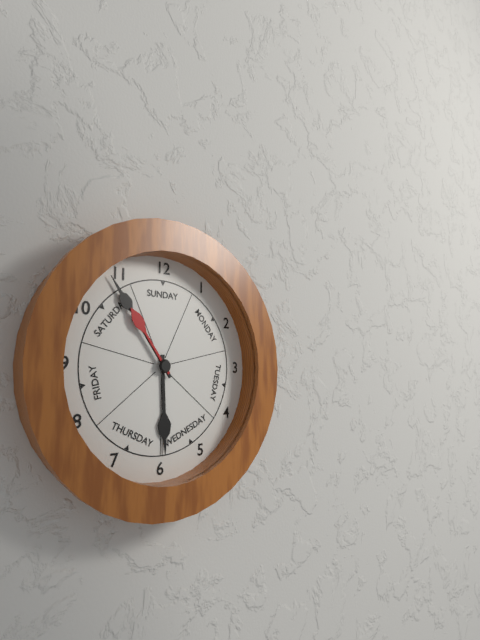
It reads **5:54:54**
